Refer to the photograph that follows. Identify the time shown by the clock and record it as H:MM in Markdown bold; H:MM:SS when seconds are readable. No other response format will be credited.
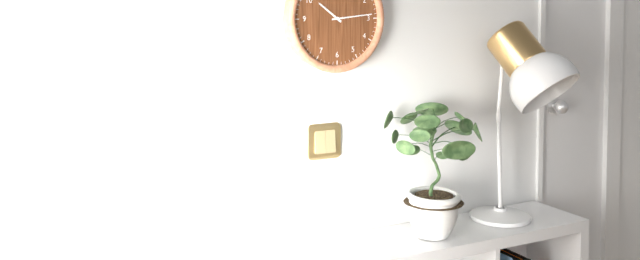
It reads **10:14**
